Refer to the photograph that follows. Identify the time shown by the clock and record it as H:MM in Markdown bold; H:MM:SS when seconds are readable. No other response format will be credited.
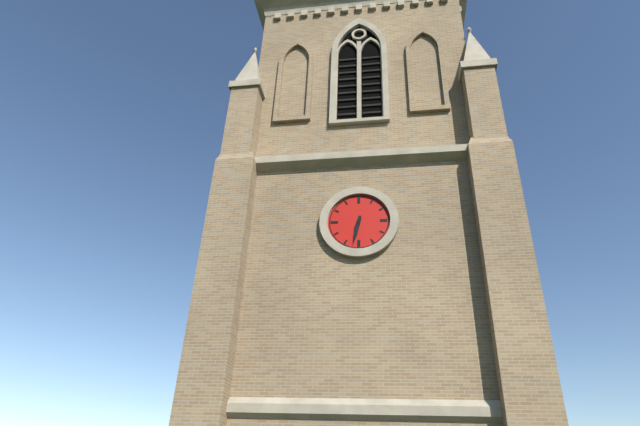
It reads **6:32**
